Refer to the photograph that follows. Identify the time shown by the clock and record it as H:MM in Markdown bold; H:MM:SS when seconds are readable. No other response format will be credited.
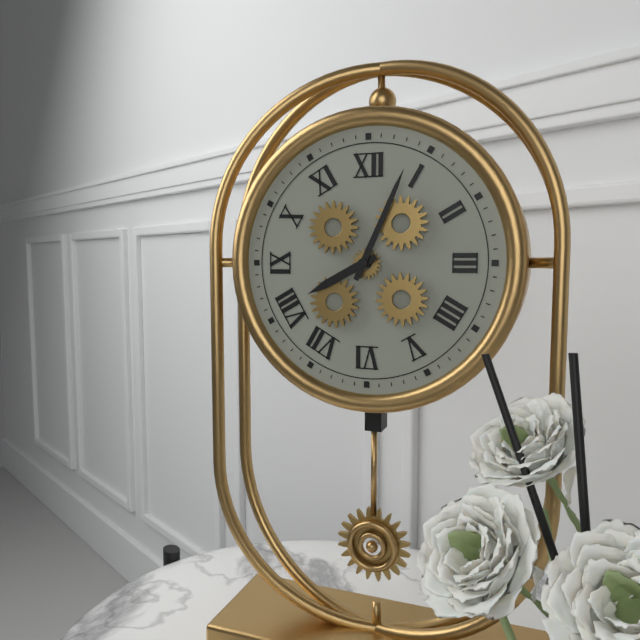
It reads **8:04**
